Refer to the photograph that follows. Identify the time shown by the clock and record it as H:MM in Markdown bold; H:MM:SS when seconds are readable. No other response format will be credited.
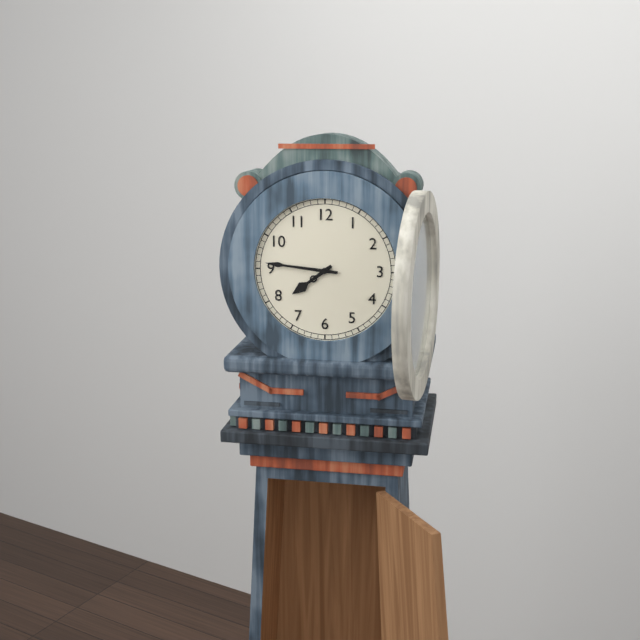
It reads **7:46**
